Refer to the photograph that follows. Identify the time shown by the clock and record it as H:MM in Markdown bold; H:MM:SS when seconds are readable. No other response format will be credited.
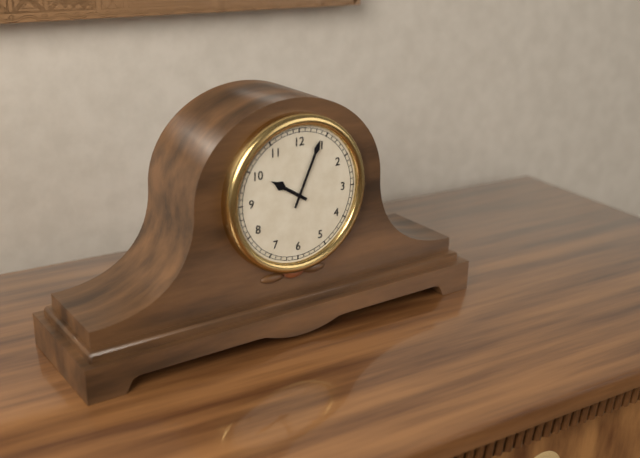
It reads **10:04**
